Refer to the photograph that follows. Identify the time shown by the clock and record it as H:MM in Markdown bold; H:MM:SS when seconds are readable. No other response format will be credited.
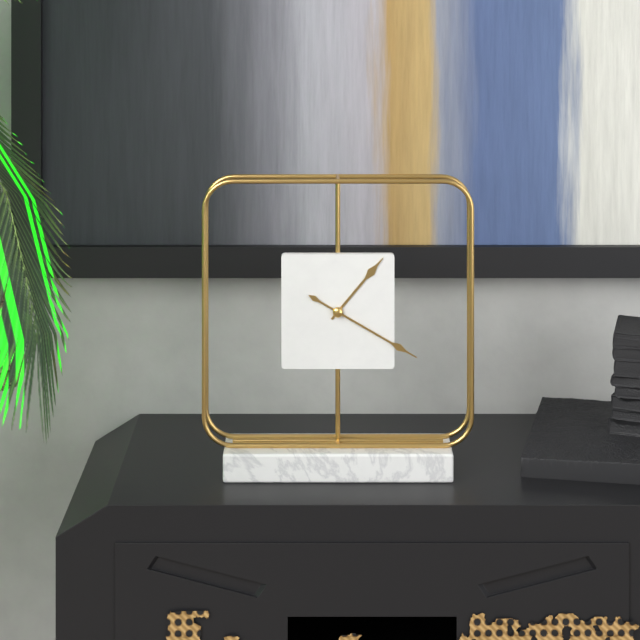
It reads **1:20**
